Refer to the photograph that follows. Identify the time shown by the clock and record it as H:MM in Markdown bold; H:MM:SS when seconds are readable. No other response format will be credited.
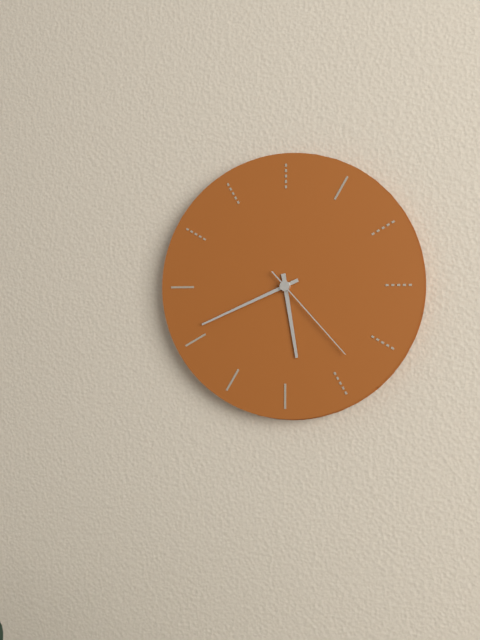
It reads **5:41:23**
